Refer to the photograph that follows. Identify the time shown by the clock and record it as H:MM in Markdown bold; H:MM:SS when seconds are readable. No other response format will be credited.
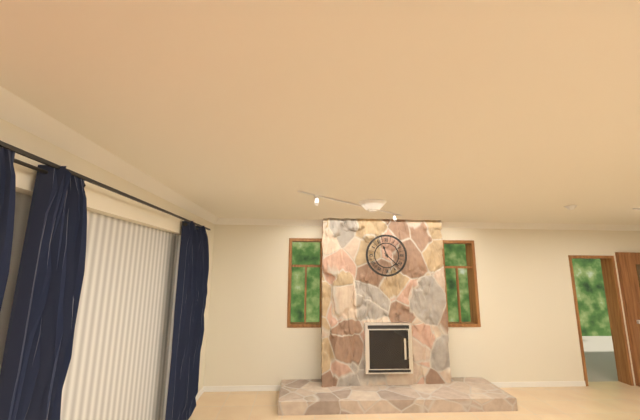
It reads **11:22**
